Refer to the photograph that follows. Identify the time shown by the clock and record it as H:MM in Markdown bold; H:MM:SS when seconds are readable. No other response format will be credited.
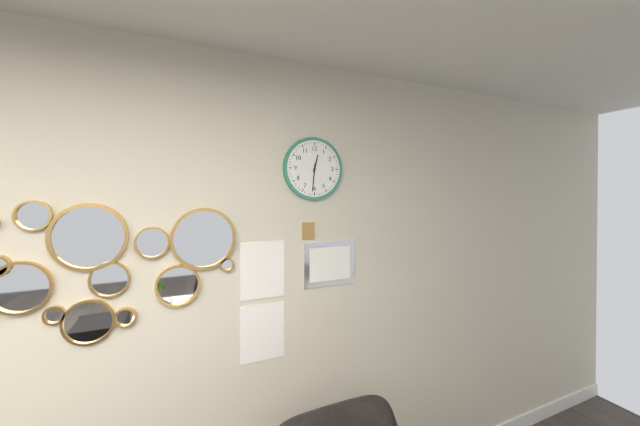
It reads **12:31**
